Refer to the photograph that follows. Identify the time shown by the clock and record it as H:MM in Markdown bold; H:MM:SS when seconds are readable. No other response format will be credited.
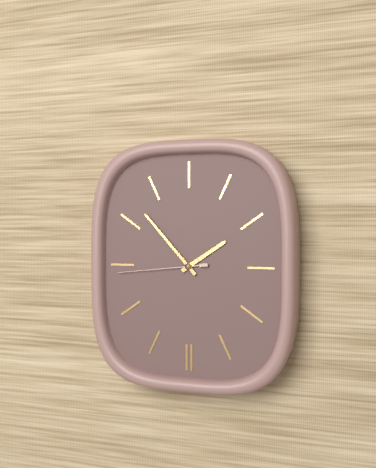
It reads **1:53:44**
